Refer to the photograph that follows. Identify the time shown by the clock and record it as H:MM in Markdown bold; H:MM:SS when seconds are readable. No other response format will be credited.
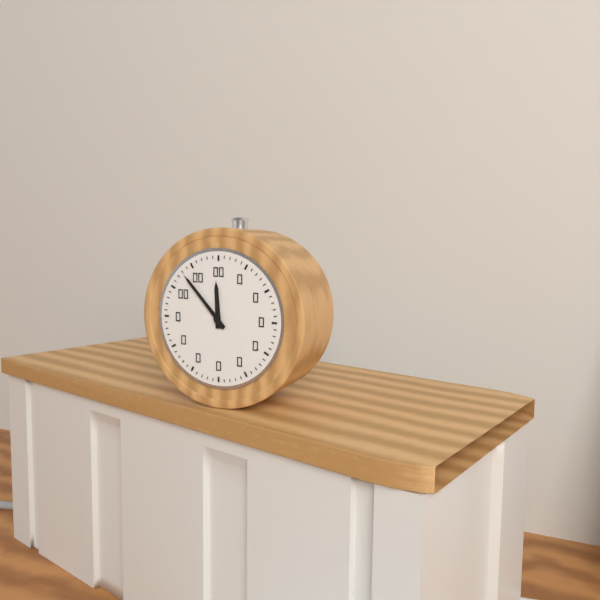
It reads **11:53**
